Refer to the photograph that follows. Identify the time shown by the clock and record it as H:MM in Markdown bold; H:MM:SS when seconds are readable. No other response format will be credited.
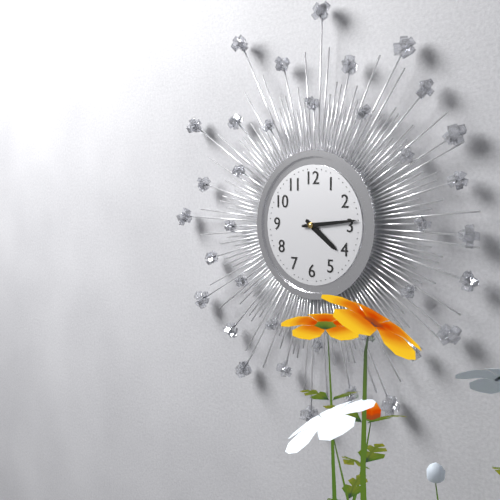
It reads **4:14**
